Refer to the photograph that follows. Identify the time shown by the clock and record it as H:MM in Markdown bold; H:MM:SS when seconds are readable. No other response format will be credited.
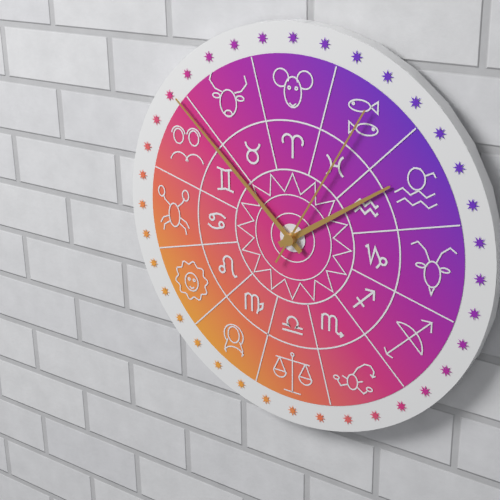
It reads **1:52:05**
